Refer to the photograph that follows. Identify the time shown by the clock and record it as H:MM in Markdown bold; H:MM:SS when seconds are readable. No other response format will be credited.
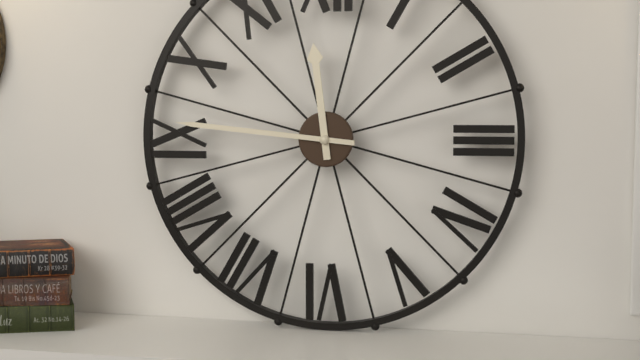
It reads **11:46**
